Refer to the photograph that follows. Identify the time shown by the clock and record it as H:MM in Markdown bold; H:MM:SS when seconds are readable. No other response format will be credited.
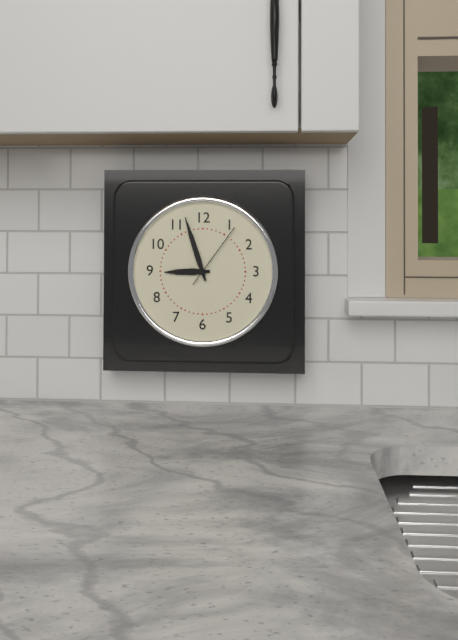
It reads **8:57:06**
